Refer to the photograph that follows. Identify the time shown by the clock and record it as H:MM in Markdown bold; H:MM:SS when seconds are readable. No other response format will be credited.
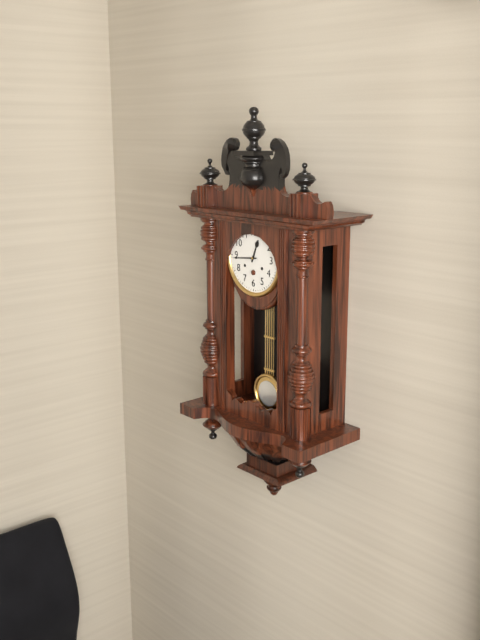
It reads **12:44**
